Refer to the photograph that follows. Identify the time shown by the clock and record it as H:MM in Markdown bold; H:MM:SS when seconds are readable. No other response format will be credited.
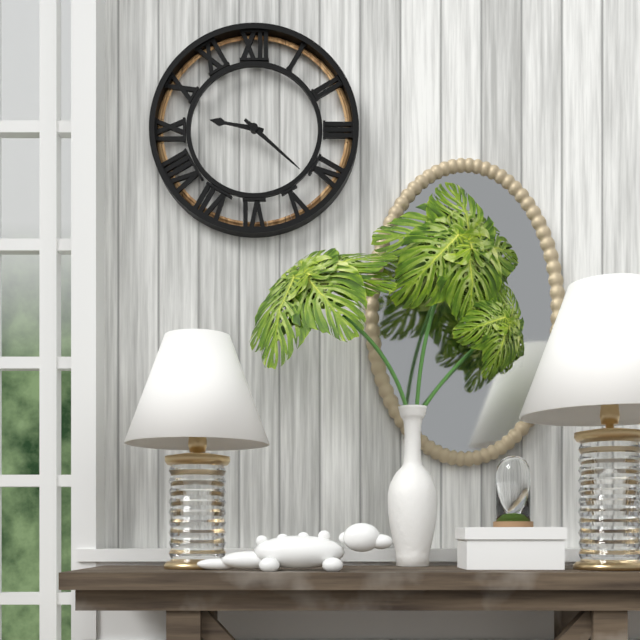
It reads **9:22**
